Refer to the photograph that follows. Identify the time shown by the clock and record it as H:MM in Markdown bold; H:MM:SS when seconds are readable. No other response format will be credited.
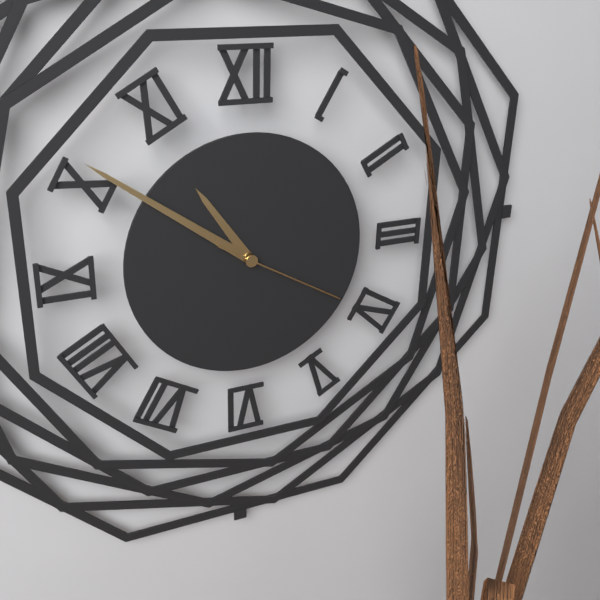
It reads **10:51:20**
